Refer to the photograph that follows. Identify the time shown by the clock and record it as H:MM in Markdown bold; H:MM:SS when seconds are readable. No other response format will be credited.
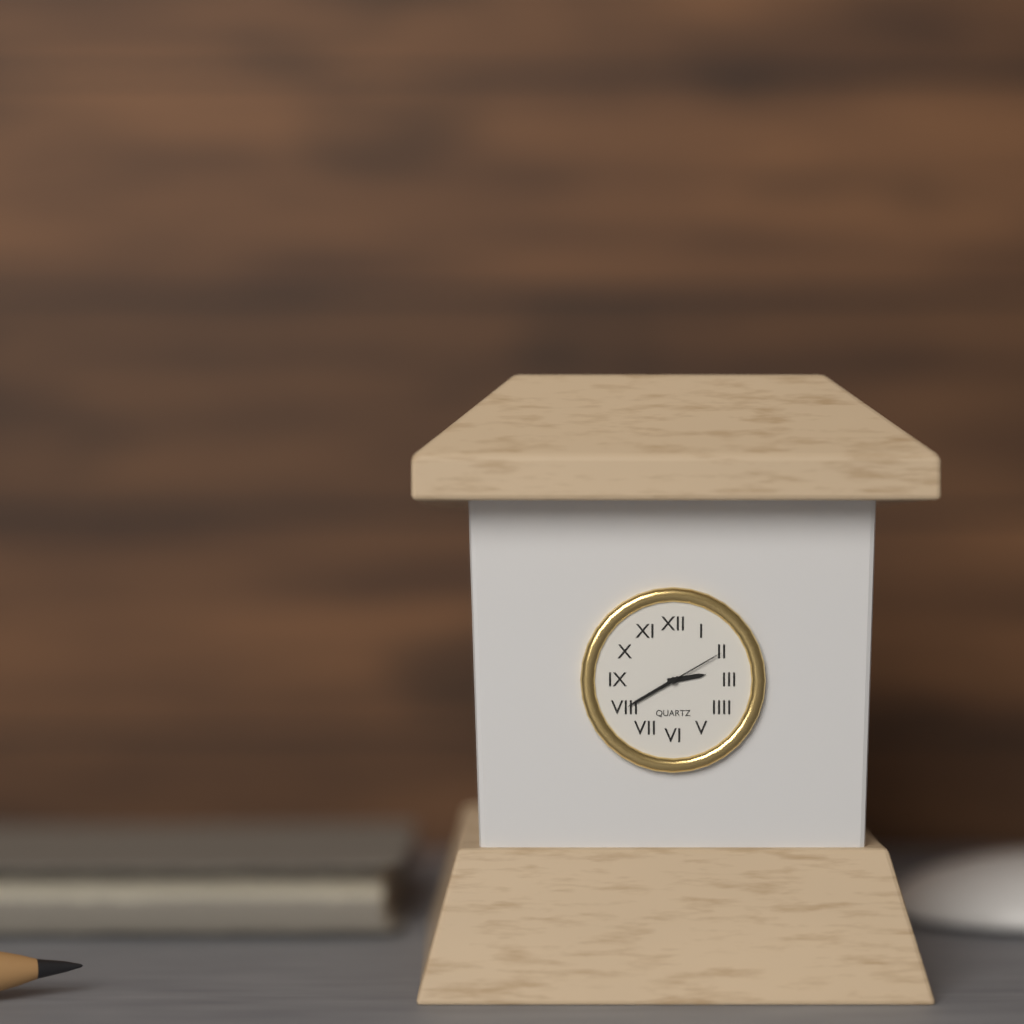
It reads **2:40:10**
